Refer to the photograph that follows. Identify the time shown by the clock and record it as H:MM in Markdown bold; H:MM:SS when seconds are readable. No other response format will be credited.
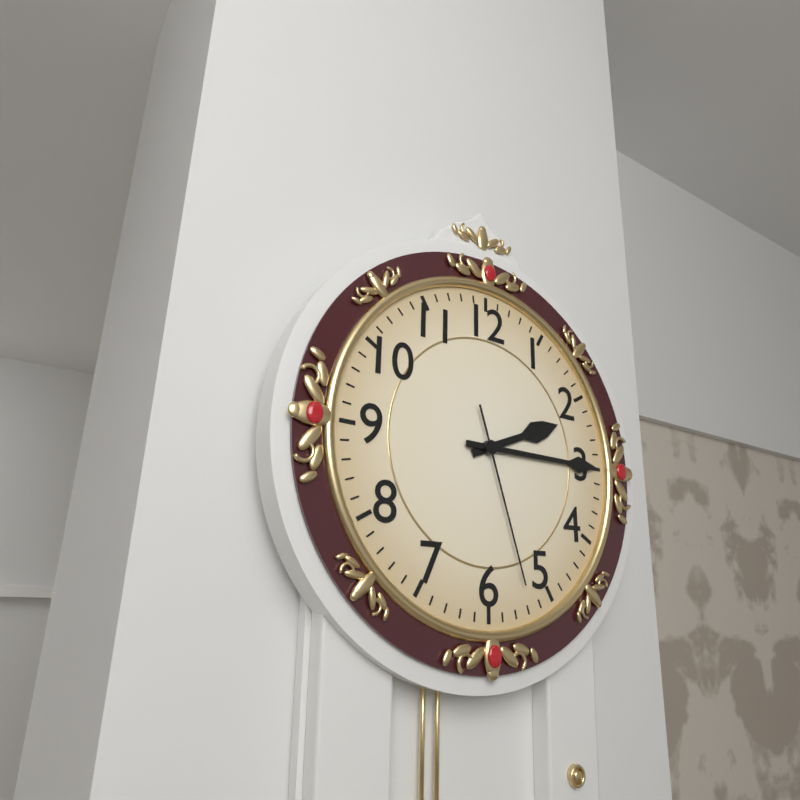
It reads **2:15:27**
